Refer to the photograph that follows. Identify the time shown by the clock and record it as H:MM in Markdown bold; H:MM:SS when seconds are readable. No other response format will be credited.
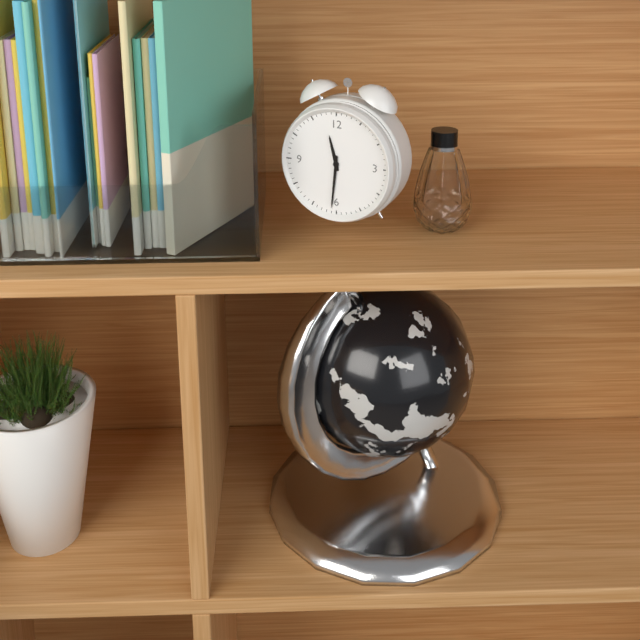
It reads **11:31**
